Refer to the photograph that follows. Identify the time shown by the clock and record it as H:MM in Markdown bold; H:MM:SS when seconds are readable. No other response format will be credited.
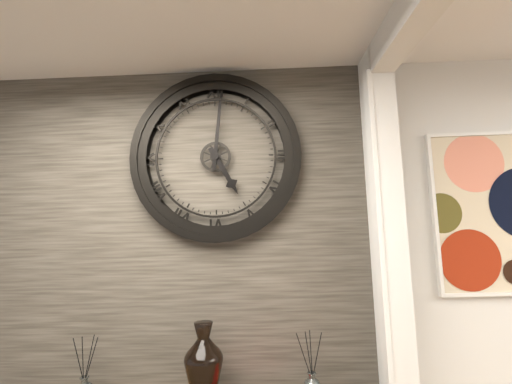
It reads **5:01**
